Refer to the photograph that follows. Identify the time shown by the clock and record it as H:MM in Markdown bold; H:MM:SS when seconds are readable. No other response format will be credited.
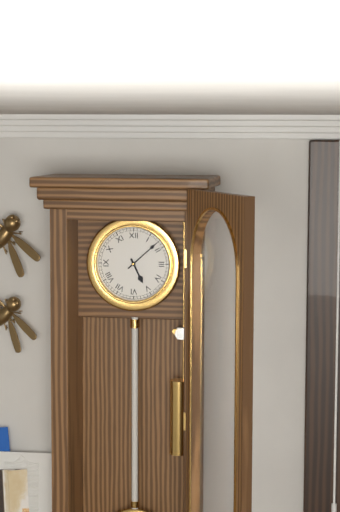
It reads **5:08**
